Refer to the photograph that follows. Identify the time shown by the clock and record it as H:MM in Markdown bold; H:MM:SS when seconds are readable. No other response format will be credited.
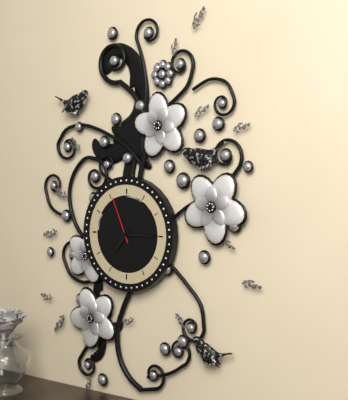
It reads **7:15**
